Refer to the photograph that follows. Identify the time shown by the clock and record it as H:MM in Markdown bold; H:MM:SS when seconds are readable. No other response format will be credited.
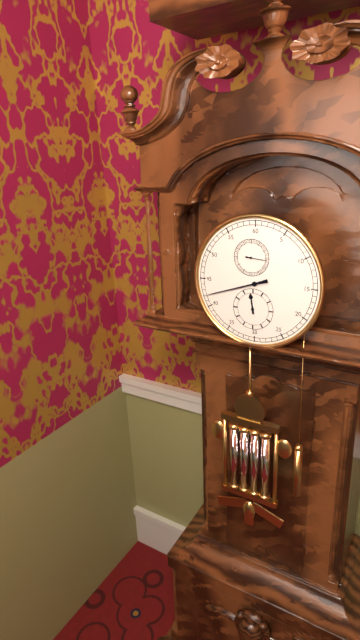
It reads **11:42**
